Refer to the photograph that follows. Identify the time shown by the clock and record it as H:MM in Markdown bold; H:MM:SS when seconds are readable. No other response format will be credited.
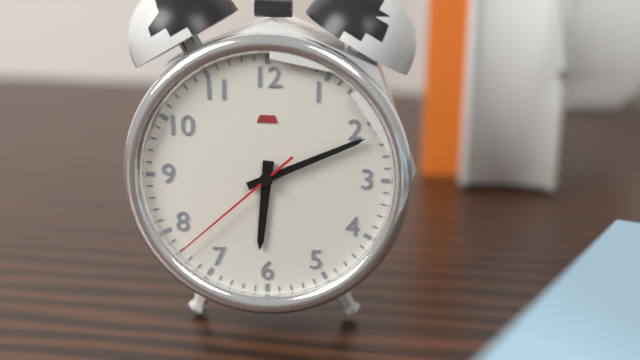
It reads **6:11:38**
